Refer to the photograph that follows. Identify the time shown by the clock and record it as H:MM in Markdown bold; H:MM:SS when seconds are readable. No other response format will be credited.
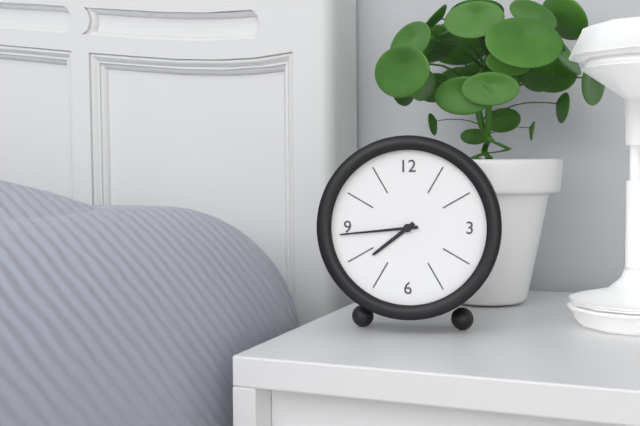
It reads **7:44**
